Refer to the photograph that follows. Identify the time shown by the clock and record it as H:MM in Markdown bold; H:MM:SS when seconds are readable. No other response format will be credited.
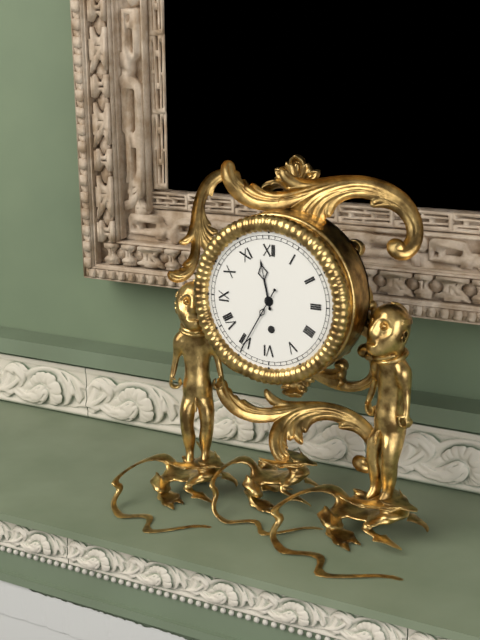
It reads **11:35**
